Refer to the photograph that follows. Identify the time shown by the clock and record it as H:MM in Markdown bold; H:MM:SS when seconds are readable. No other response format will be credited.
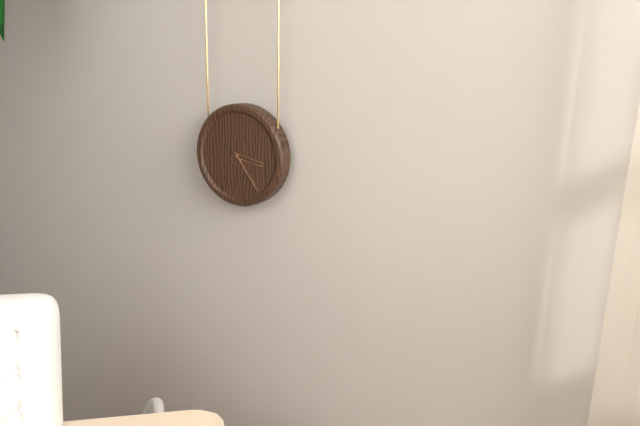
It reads **3:24**
